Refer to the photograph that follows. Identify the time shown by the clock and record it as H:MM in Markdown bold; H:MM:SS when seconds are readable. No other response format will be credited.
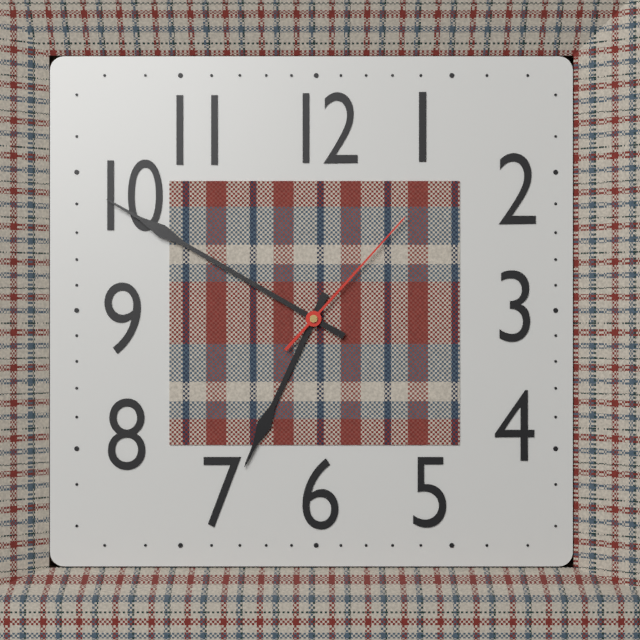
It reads **6:50:07**
